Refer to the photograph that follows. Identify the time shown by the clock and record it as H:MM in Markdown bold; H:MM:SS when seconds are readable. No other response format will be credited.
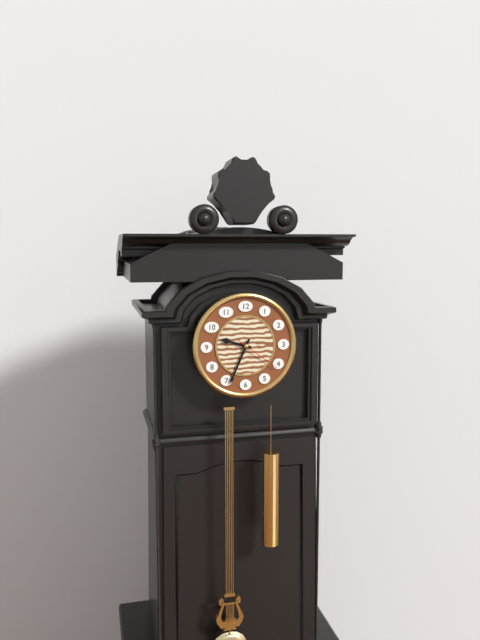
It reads **9:34**
